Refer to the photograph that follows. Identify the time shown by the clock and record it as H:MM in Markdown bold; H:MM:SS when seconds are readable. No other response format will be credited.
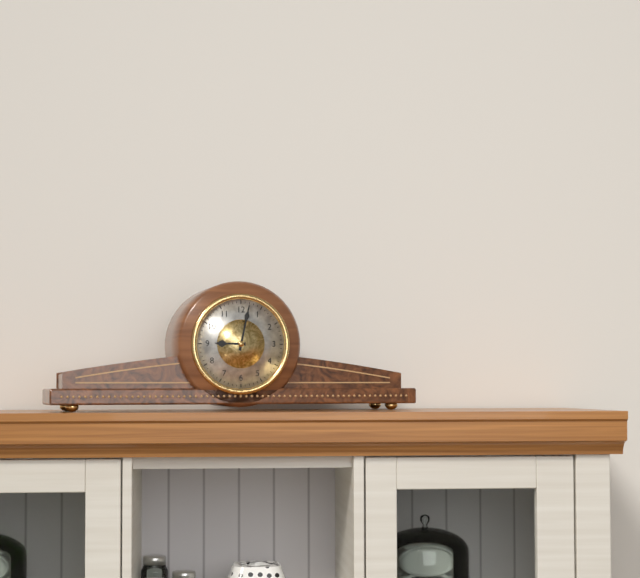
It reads **9:02**
